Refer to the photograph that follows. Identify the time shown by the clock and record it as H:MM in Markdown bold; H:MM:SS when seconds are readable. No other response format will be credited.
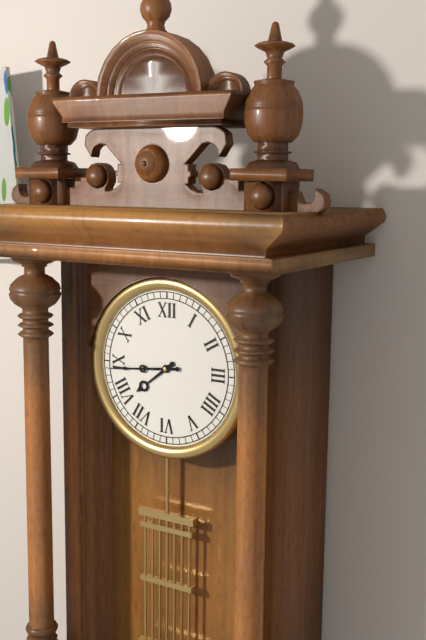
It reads **7:44**
